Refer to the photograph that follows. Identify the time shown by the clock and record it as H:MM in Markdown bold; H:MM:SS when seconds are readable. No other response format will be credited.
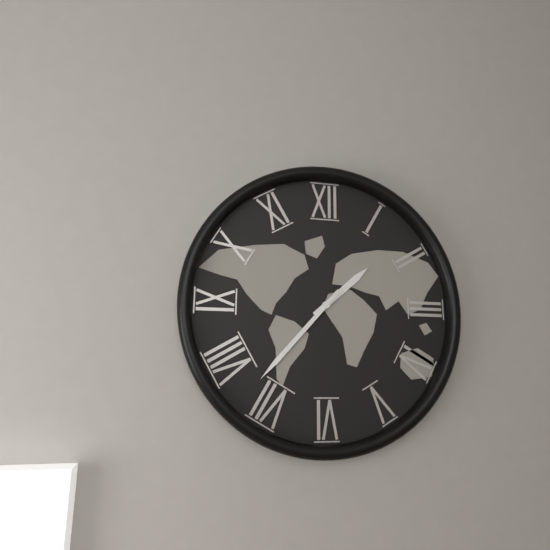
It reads **1:37**
